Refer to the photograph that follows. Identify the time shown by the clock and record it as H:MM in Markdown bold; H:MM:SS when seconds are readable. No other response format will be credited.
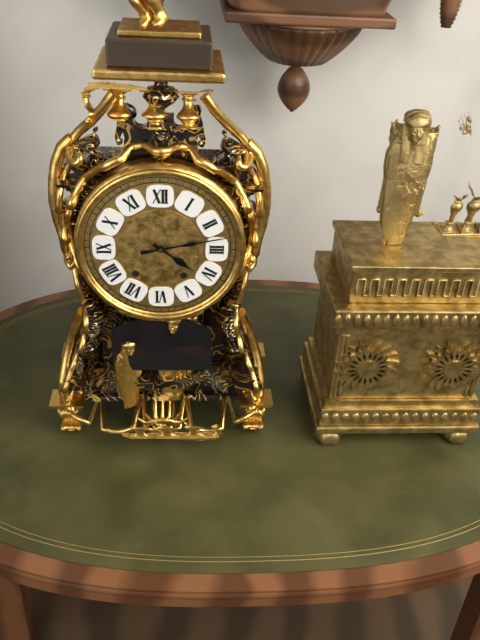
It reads **4:13**
